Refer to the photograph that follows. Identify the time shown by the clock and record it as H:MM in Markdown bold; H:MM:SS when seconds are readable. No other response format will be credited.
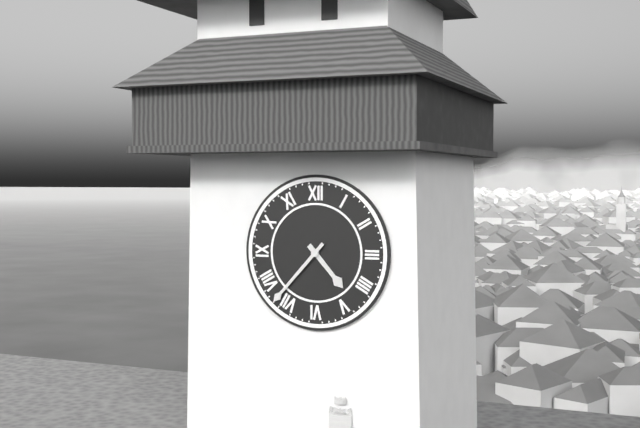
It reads **4:37**
